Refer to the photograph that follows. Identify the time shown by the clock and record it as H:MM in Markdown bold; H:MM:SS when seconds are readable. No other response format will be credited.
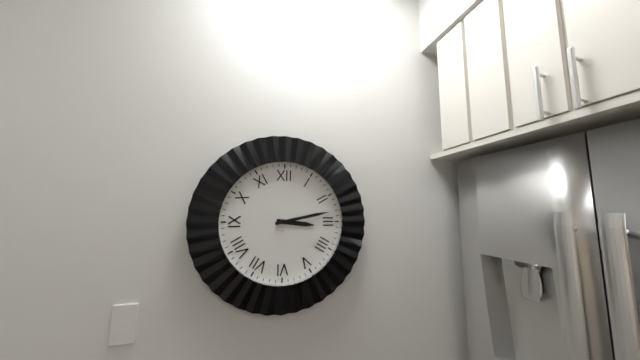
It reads **3:13**
